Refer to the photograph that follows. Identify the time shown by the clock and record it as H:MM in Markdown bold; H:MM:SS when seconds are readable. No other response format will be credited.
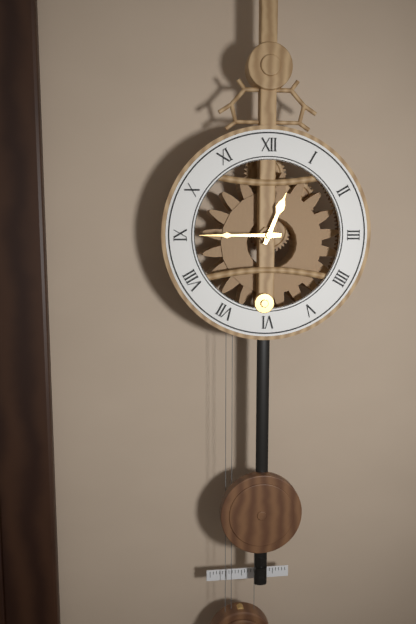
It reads **12:45**
